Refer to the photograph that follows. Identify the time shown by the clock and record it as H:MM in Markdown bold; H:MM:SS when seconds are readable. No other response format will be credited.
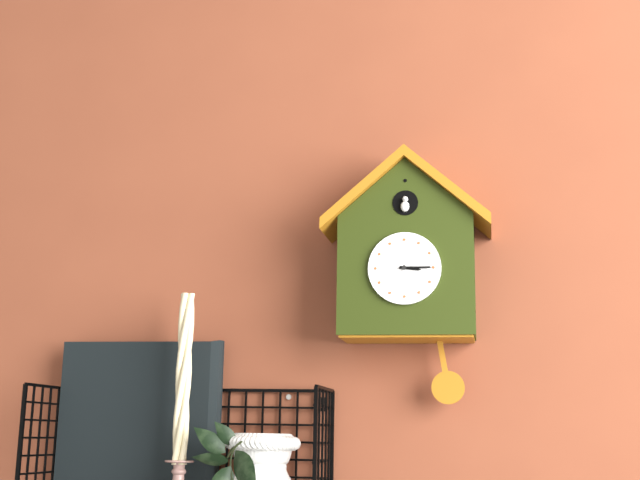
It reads **3:15**
